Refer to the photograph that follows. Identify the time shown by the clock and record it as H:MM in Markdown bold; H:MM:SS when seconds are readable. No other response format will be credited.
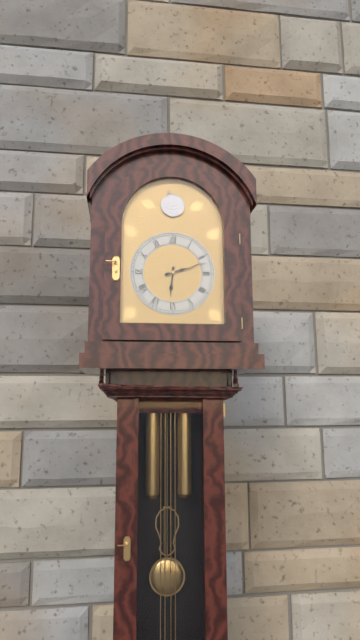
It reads **6:12**
